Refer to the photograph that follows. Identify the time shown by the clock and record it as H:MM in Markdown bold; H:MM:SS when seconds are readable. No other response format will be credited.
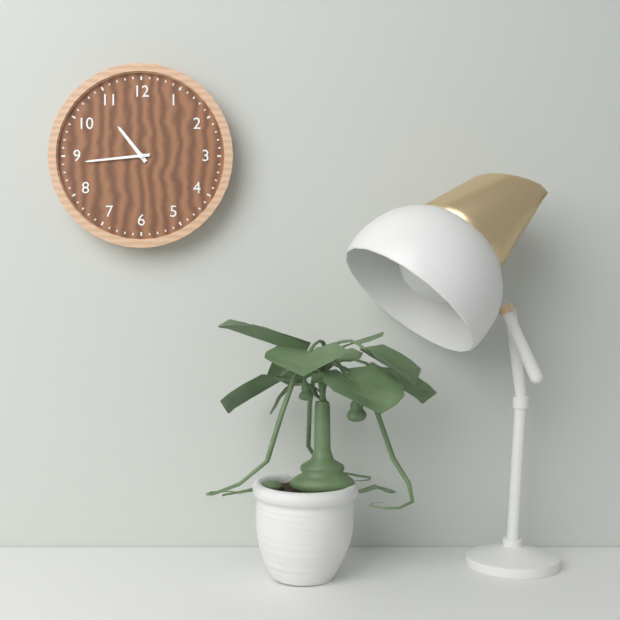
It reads **10:44**
